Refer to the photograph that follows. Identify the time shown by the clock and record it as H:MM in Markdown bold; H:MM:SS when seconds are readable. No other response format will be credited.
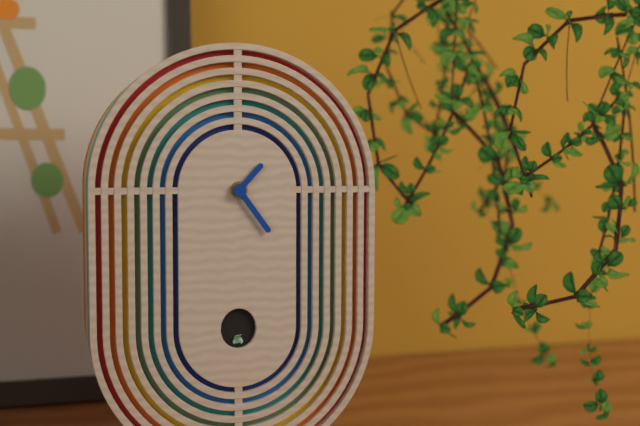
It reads **1:24**
